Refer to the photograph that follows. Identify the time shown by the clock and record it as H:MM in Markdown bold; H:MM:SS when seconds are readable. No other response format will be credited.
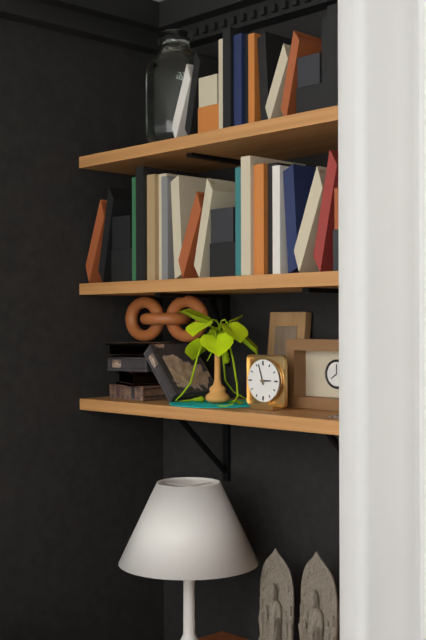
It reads **2:57**
